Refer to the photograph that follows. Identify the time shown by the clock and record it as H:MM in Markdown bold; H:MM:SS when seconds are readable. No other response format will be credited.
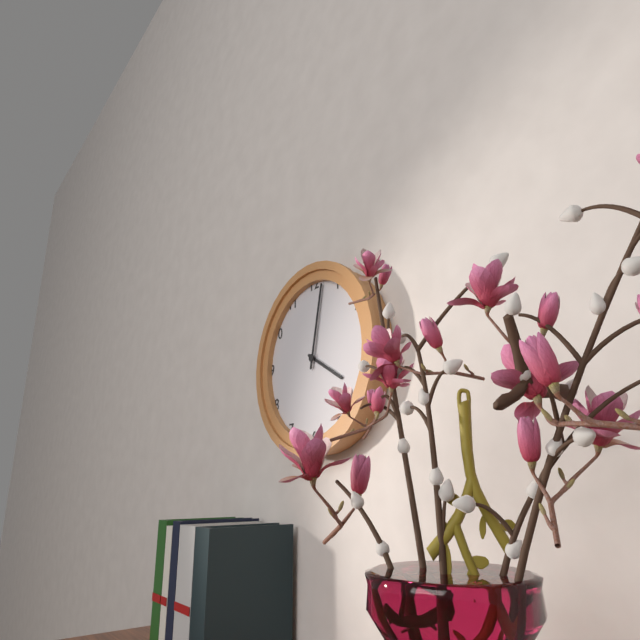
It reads **4:02**
